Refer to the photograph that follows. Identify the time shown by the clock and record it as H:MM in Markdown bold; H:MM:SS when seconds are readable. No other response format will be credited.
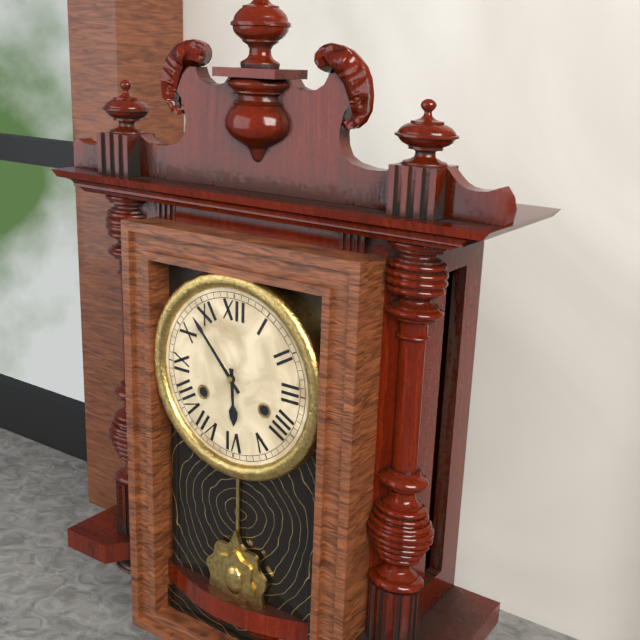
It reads **5:53**
